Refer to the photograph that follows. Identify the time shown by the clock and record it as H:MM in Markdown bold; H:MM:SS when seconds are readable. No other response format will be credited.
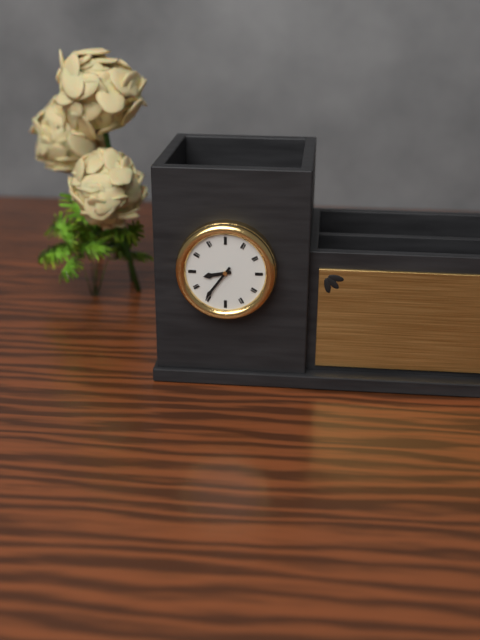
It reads **8:36**
